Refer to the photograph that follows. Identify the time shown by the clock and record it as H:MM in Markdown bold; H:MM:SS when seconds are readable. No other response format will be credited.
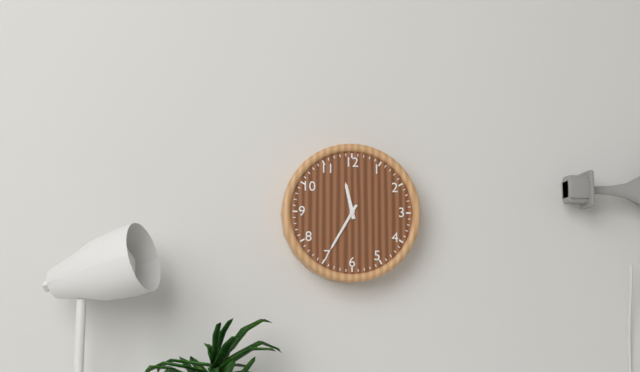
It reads **11:35**
